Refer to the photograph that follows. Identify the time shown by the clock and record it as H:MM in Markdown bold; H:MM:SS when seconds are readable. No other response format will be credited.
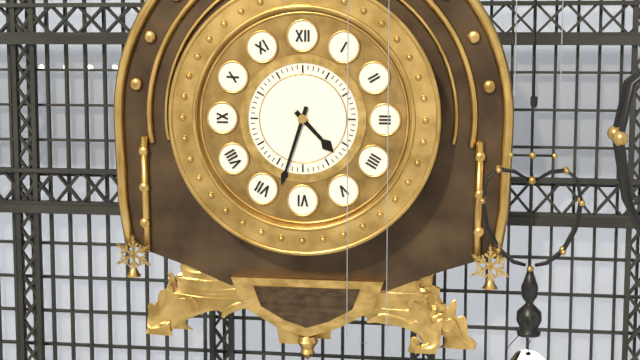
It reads **4:33**
